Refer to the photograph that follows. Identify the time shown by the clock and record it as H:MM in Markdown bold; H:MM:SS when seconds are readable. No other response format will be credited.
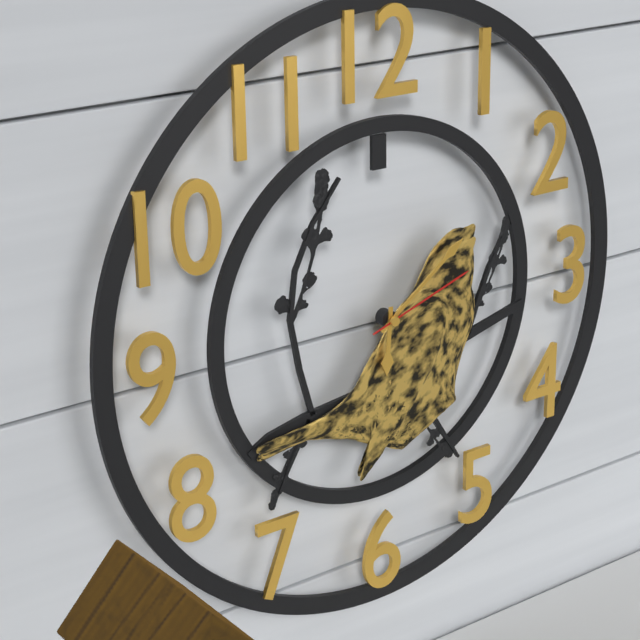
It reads **6:09:12**
